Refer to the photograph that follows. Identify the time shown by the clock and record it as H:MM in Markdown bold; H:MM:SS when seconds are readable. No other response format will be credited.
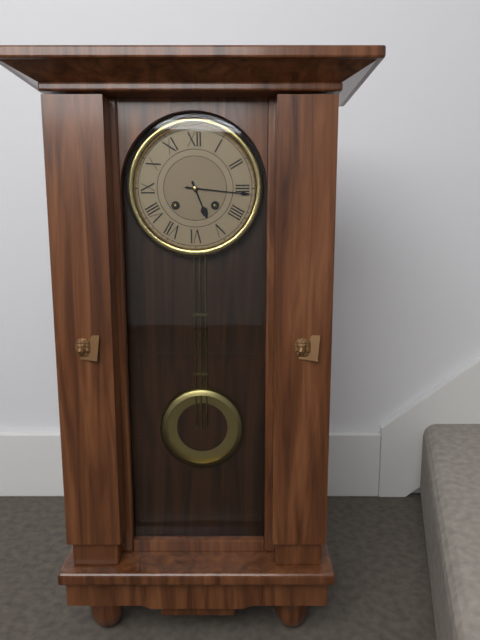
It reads **5:16**
